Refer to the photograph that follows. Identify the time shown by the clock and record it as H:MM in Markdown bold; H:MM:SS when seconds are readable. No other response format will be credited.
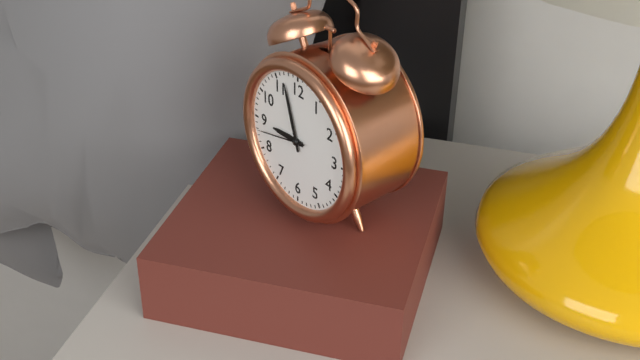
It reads **8:57**
